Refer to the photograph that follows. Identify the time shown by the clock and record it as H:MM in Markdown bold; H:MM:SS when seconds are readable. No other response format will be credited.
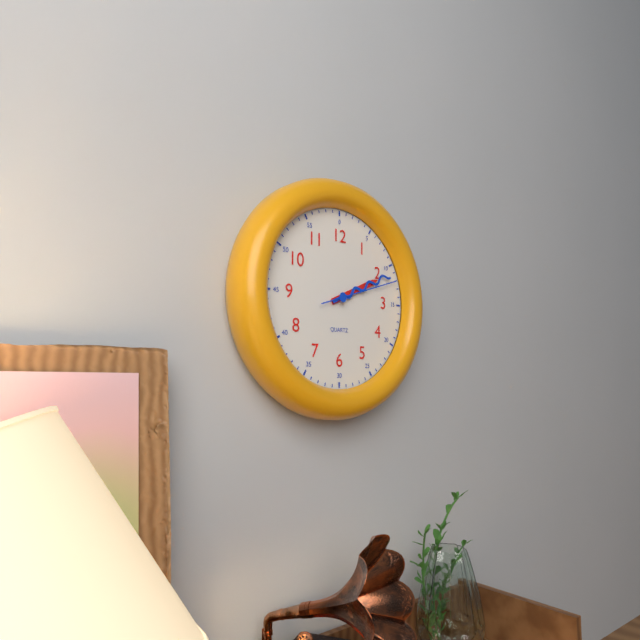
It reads **2:11:12**
